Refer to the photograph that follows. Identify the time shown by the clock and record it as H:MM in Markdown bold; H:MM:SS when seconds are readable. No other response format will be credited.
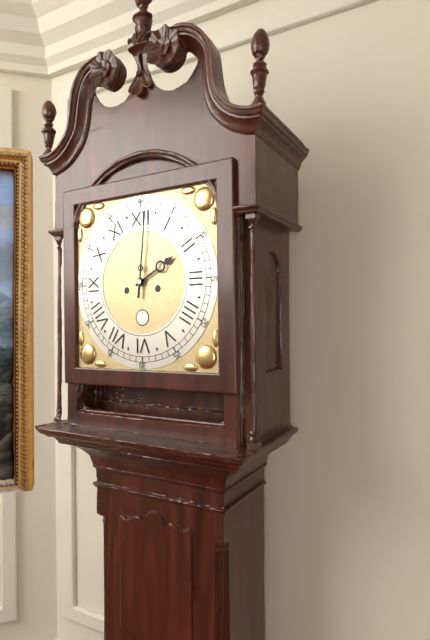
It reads **2:01**
